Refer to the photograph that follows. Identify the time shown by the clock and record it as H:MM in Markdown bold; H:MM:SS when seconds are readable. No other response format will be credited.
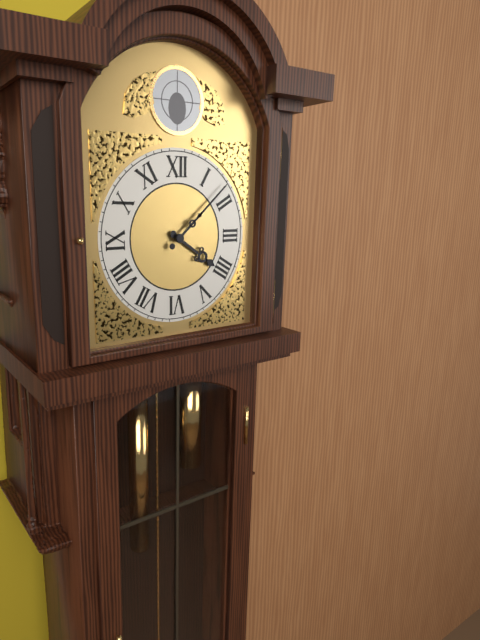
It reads **4:08**
